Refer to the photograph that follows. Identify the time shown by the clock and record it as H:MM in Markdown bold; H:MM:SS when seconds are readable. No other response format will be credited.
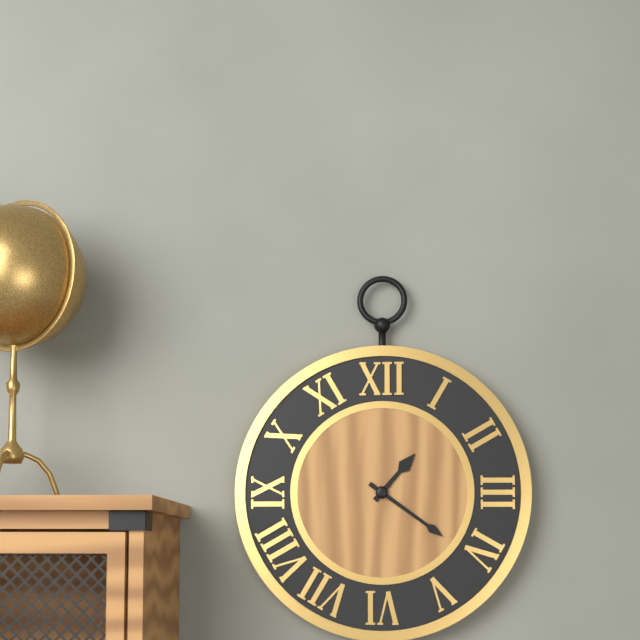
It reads **1:21**
